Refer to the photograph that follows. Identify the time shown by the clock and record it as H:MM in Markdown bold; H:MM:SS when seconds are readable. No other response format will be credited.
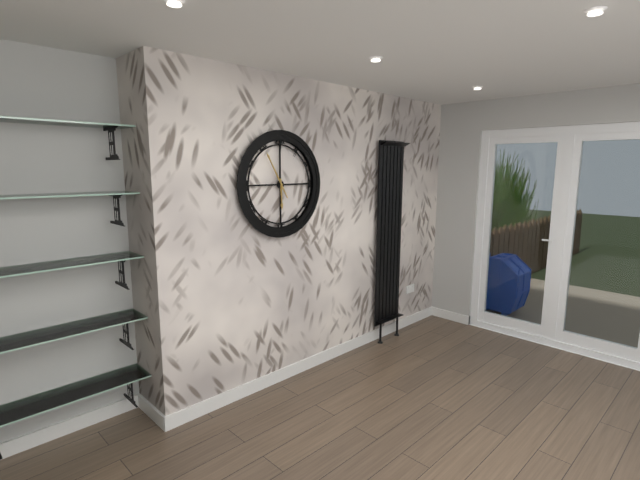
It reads **5:55**
